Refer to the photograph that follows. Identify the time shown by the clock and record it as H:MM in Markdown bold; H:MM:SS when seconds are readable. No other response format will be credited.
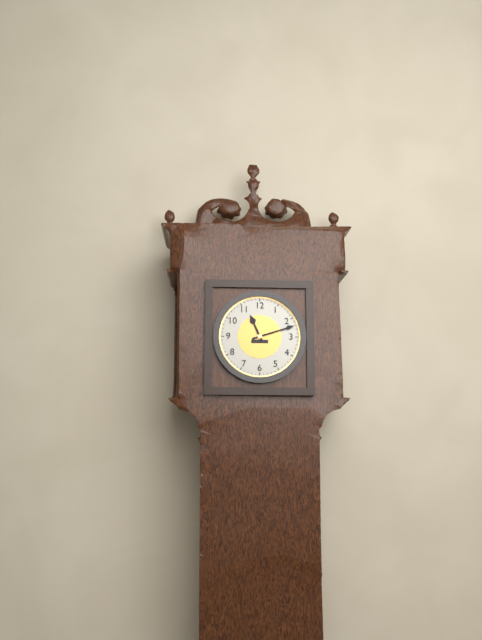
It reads **11:12**
